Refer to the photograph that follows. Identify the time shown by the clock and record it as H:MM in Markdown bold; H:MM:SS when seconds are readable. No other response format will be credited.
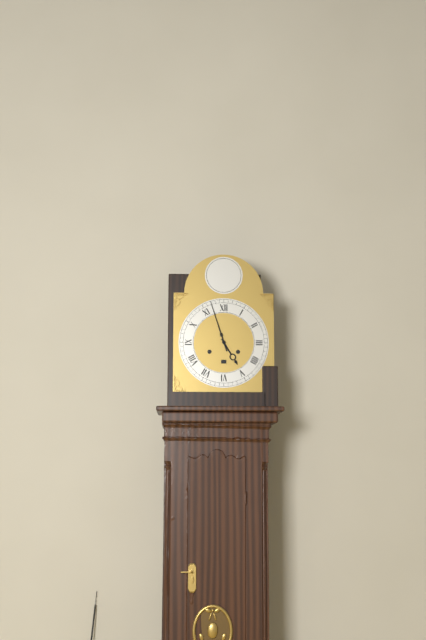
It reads **4:57**
